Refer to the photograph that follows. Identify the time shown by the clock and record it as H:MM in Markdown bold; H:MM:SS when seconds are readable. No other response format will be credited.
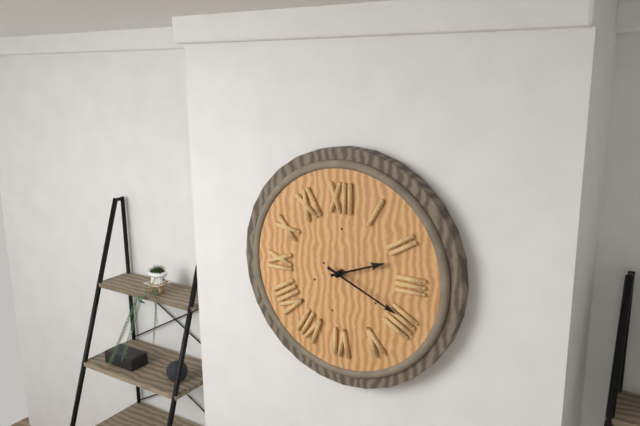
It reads **2:19**
